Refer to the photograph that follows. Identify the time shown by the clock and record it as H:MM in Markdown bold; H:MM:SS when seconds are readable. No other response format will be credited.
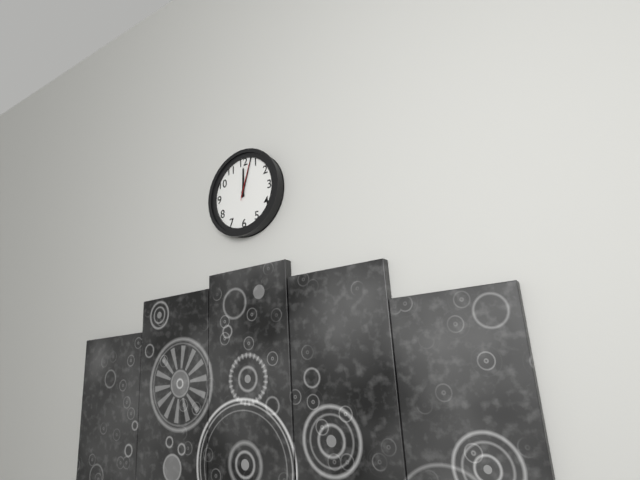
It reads **12:03**
